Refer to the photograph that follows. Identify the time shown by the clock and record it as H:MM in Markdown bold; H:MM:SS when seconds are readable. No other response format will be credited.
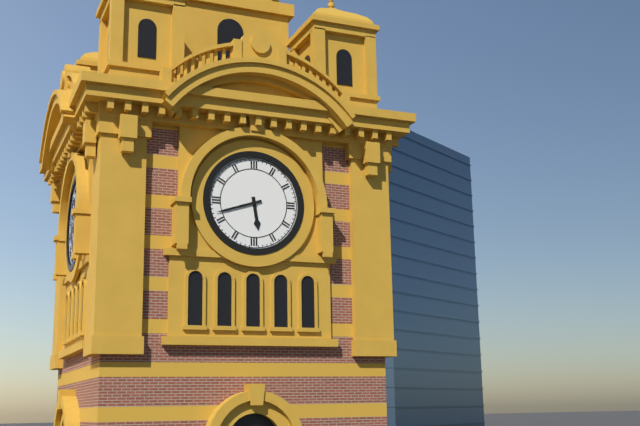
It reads **5:42**
